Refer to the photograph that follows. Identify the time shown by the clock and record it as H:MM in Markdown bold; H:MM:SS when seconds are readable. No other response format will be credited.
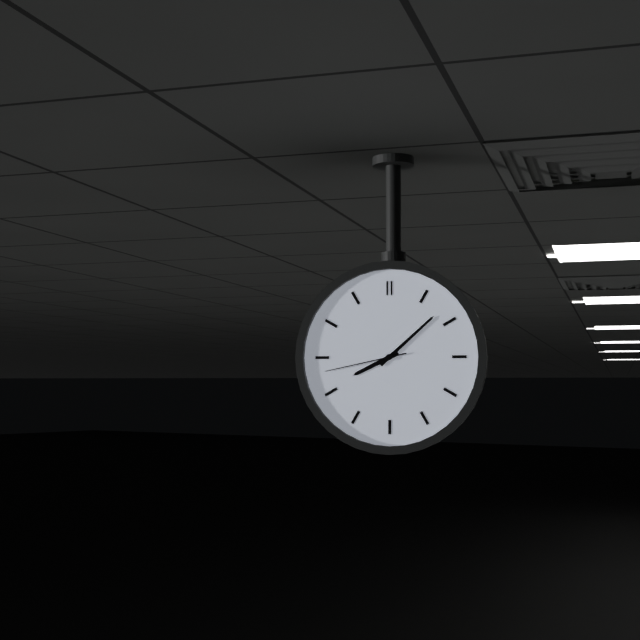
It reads **8:08:43**
